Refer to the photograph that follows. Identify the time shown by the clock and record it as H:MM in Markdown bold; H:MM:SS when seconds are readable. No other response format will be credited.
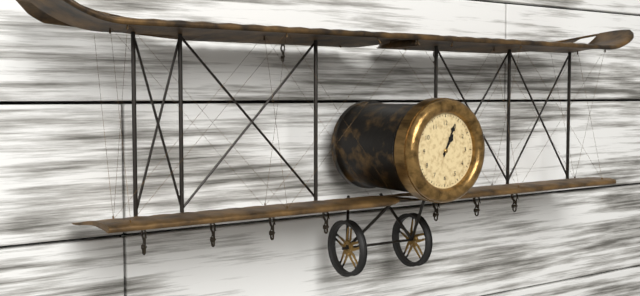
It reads **1:04**
